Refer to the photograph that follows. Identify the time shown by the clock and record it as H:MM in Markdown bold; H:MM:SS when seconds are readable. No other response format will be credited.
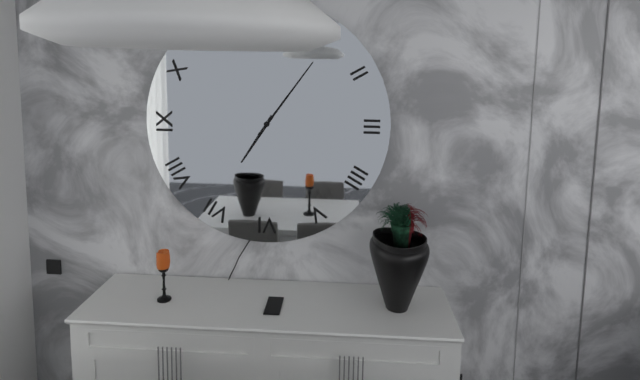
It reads **7:06**
